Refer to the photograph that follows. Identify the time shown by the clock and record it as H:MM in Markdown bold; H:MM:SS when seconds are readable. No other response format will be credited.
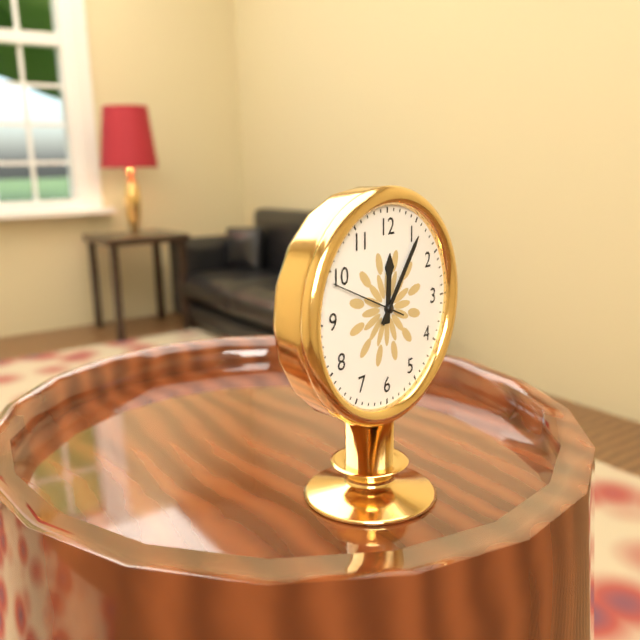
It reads **12:06:49**
